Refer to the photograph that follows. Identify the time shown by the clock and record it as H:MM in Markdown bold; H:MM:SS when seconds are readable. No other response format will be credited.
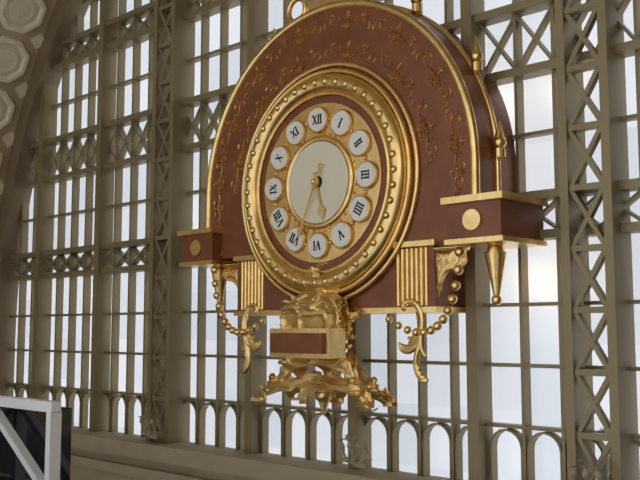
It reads **5:34**
